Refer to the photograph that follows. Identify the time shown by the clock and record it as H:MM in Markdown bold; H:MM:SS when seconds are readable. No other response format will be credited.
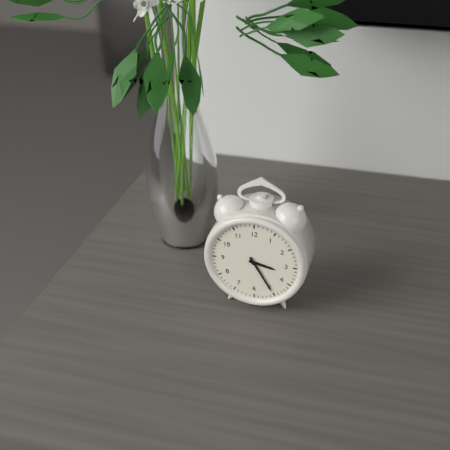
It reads **3:25**
